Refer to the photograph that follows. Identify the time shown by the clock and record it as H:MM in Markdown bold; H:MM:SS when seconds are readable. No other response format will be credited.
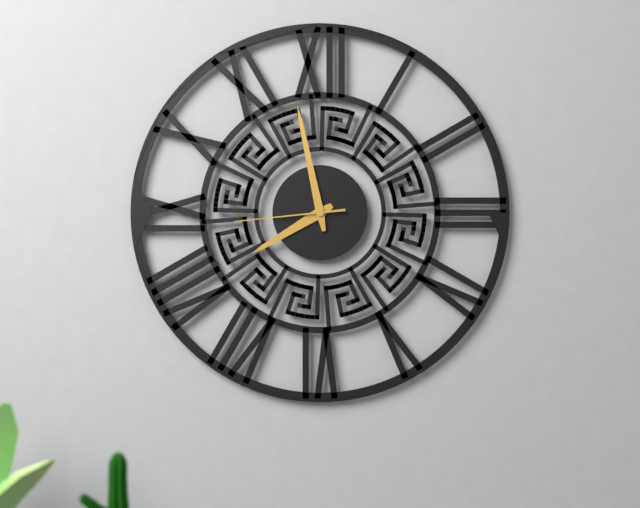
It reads **7:58:44**
